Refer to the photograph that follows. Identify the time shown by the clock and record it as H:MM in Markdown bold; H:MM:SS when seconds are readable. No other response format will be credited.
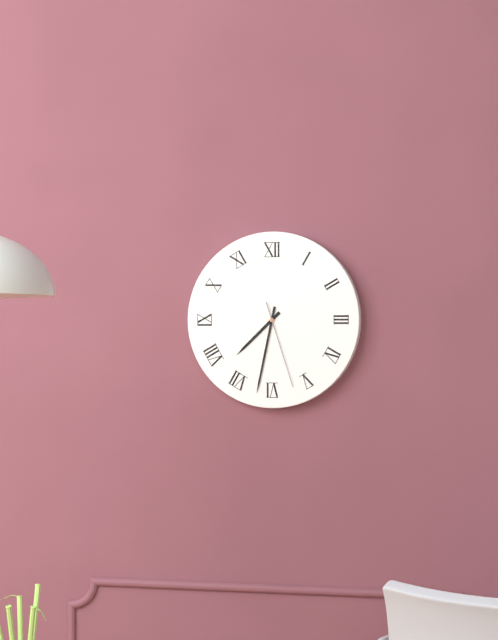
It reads **7:32:27**
